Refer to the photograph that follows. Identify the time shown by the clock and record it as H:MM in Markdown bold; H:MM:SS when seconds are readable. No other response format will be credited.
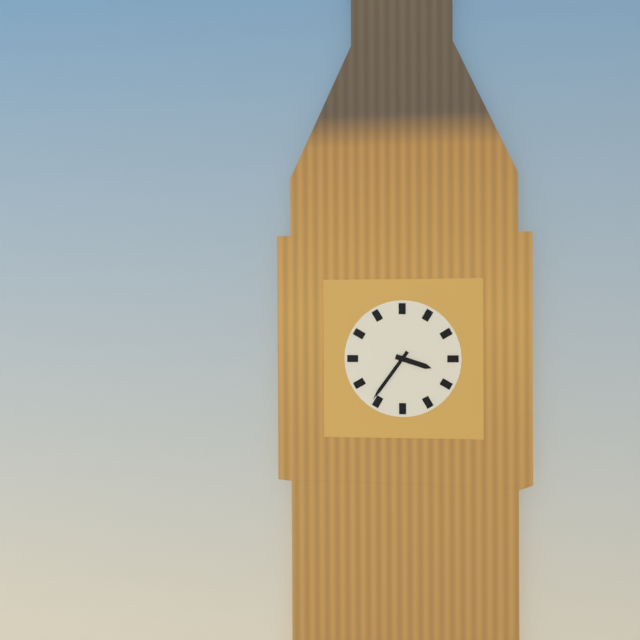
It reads **3:36**
